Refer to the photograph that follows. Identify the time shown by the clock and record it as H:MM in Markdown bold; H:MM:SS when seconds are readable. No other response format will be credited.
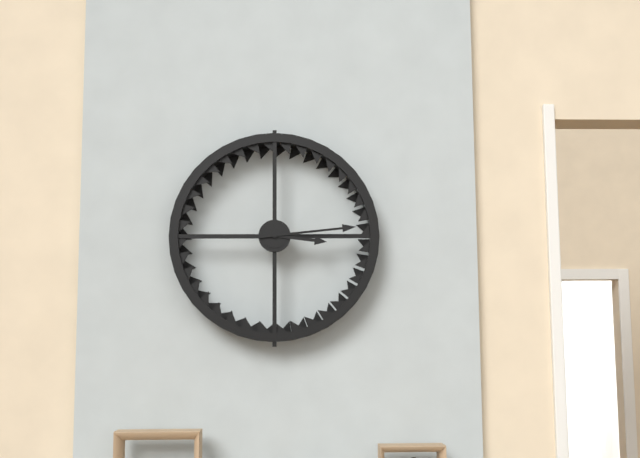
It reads **3:14**
